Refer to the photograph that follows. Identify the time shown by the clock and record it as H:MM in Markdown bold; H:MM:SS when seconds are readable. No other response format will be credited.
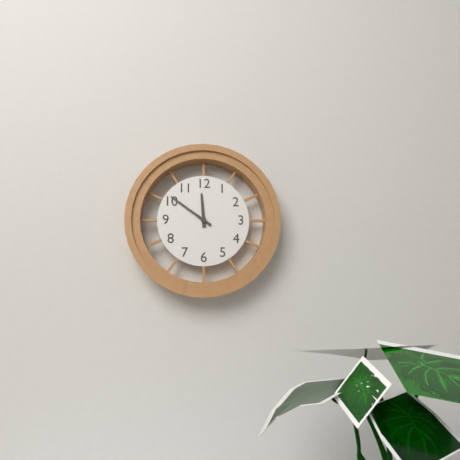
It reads **11:51**
